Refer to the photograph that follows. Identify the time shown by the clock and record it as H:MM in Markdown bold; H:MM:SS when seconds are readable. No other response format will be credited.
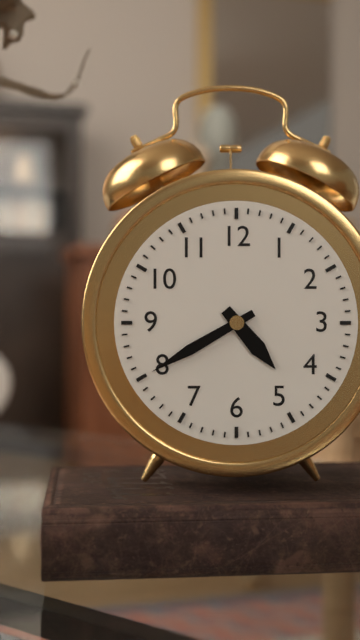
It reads **4:40**
